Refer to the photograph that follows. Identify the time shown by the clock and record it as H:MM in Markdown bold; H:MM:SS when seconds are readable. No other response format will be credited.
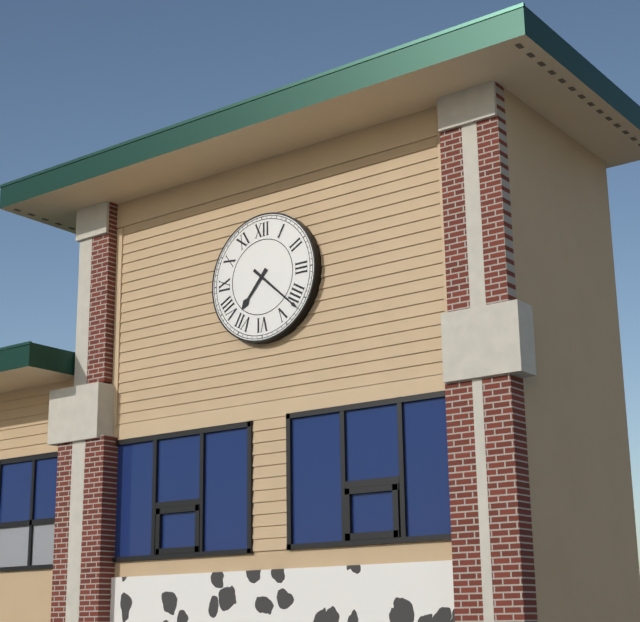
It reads **7:22**
